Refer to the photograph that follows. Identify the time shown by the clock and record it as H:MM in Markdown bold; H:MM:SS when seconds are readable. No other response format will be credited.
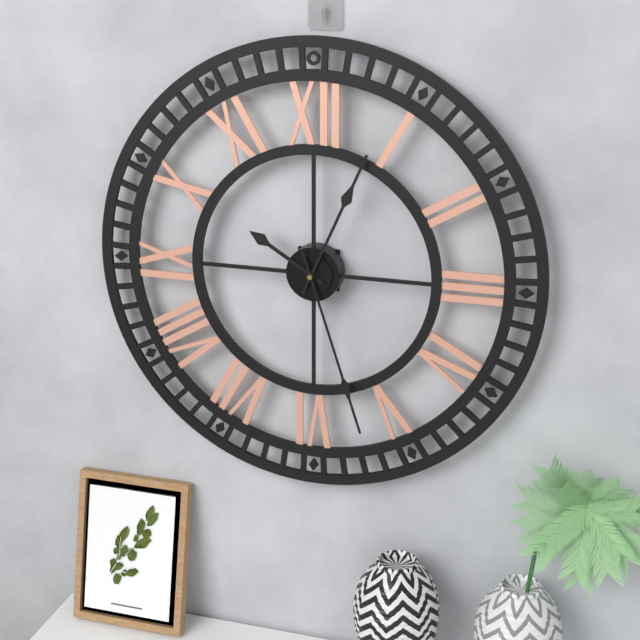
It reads **10:04:27**
